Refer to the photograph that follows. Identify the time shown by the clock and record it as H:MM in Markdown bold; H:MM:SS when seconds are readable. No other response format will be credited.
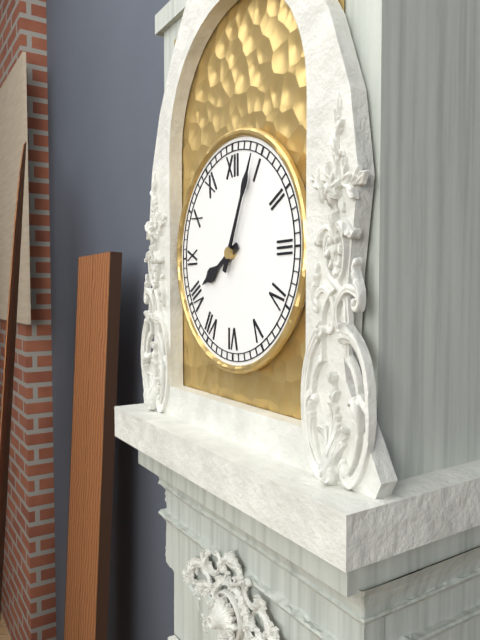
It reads **8:04**
